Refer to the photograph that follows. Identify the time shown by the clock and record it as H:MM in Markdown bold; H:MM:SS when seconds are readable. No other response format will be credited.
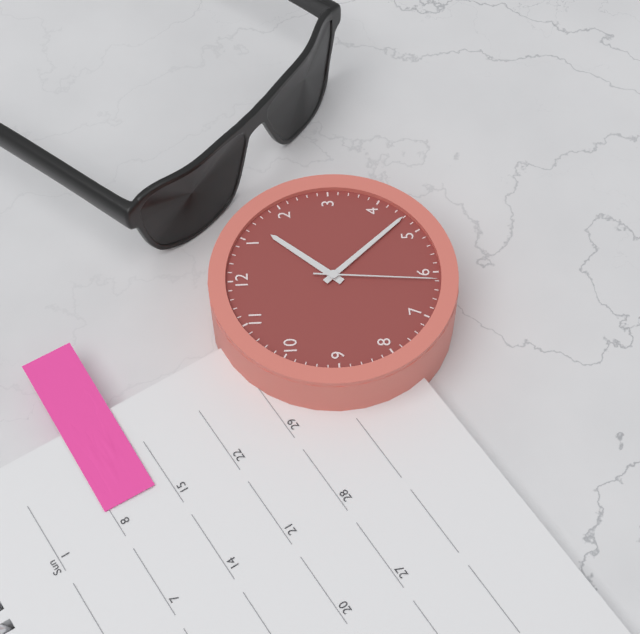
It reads **1:23:31**
